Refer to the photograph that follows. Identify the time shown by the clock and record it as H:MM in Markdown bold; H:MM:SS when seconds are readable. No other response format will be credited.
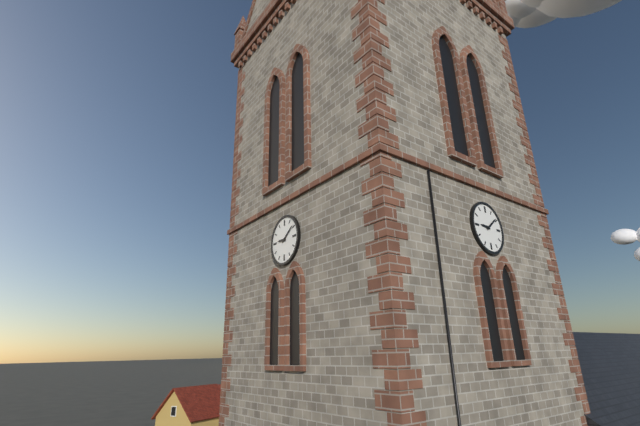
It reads **9:09**
